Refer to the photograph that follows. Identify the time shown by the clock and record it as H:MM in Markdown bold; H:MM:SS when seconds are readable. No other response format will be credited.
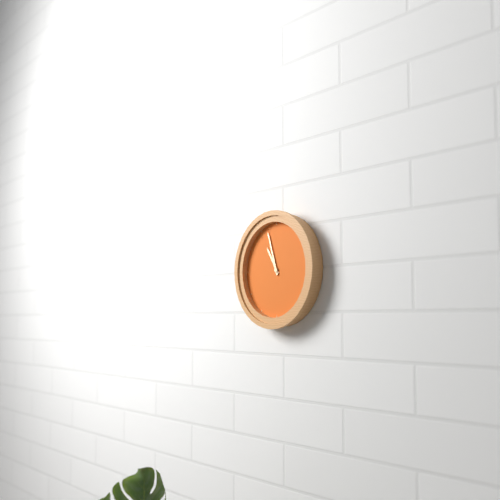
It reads **10:57**
